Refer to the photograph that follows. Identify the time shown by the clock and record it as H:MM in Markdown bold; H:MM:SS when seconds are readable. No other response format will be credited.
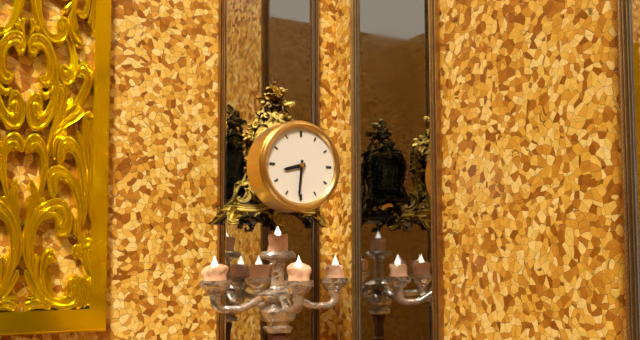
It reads **8:31**
